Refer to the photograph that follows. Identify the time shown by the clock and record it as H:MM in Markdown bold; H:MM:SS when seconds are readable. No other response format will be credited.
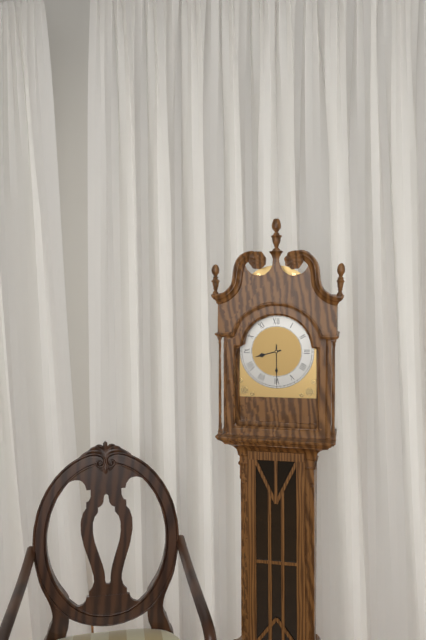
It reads **8:30**
